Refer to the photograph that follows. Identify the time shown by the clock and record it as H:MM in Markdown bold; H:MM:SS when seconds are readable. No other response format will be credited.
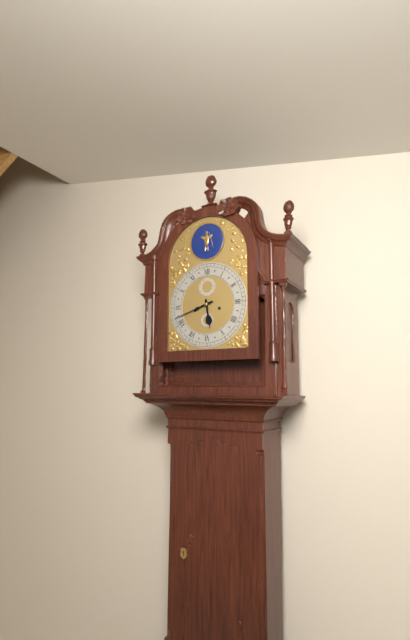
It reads **5:42**
